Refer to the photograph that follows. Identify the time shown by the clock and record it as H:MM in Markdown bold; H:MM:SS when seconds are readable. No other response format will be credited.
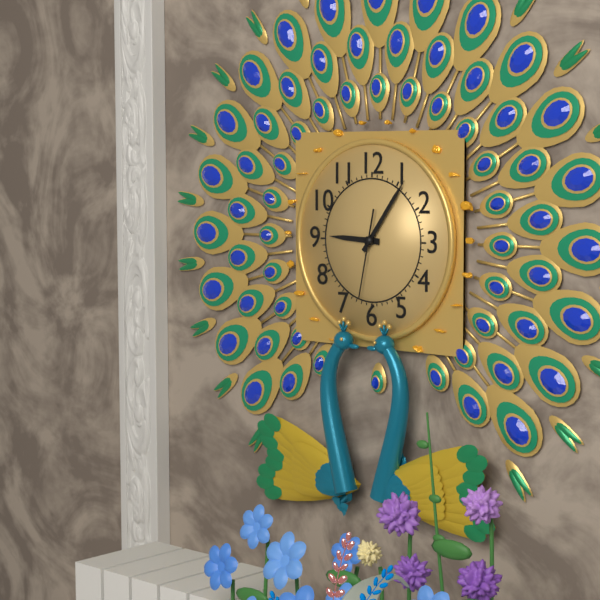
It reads **9:06:32**
